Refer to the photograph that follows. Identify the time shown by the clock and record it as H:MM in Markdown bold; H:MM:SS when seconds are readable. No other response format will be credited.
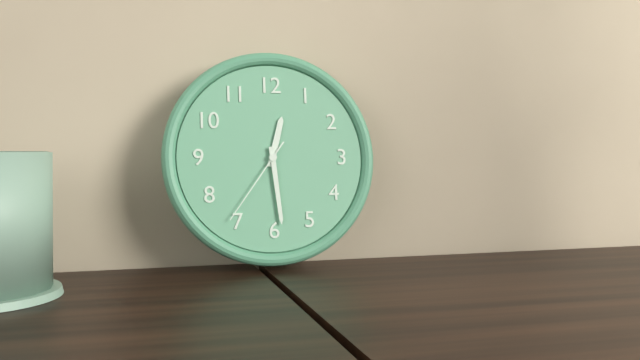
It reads **12:29:36**
